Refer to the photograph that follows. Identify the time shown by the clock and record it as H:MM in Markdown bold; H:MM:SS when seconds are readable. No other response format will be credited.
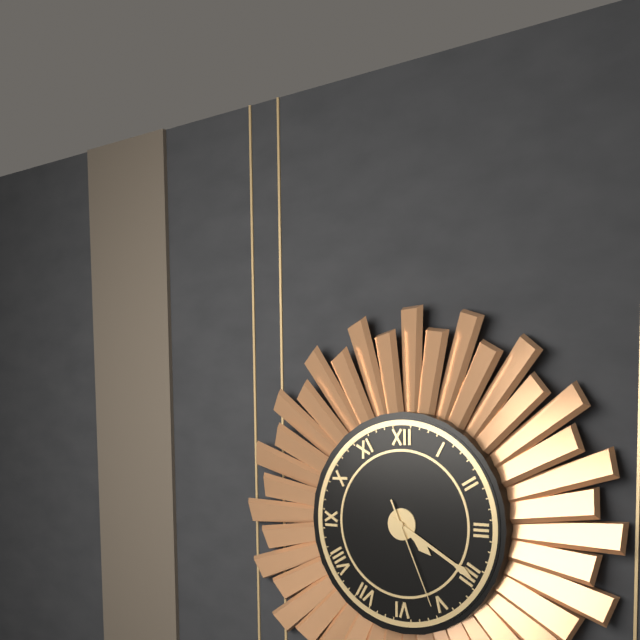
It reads **4:20:26**
